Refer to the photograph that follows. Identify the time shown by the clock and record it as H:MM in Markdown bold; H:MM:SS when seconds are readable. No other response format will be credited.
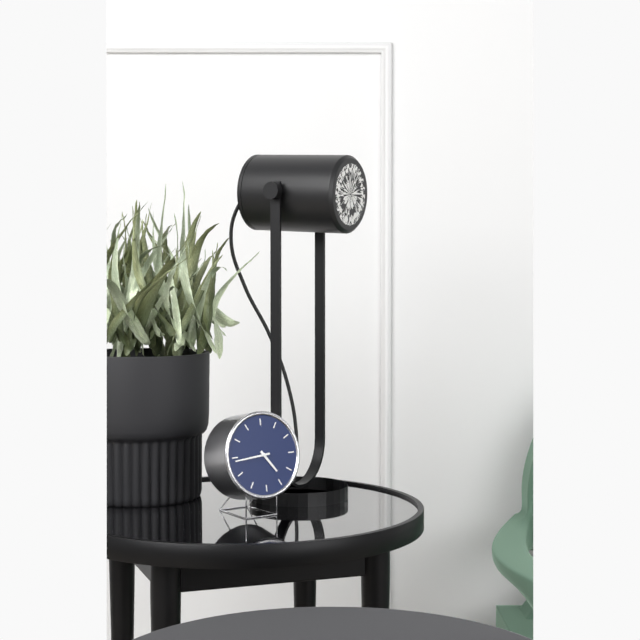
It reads **4:44**
